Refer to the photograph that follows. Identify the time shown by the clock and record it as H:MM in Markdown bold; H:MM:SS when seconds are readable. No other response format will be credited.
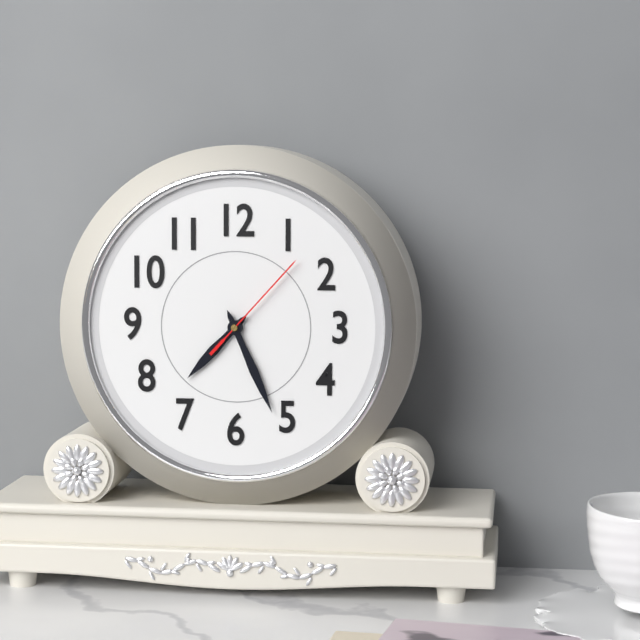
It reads **7:26:07**
